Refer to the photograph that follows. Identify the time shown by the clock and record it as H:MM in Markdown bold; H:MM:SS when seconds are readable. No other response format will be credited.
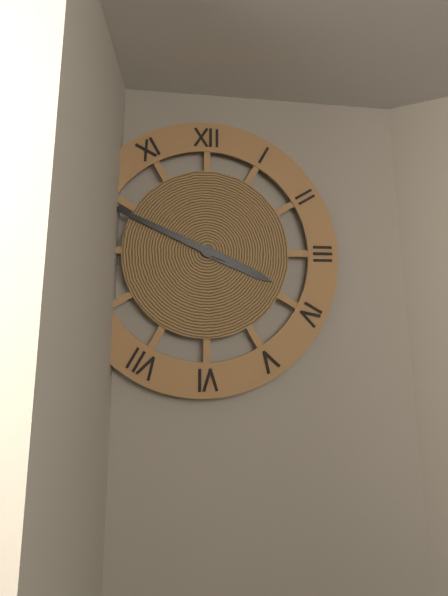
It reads **3:49**
